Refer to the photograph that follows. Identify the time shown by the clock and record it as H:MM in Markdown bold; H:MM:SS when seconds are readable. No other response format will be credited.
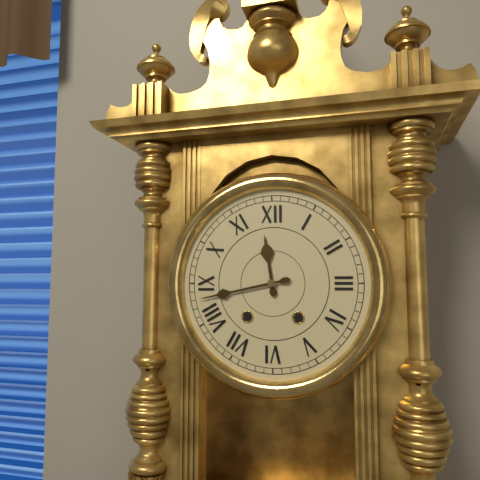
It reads **11:43**
